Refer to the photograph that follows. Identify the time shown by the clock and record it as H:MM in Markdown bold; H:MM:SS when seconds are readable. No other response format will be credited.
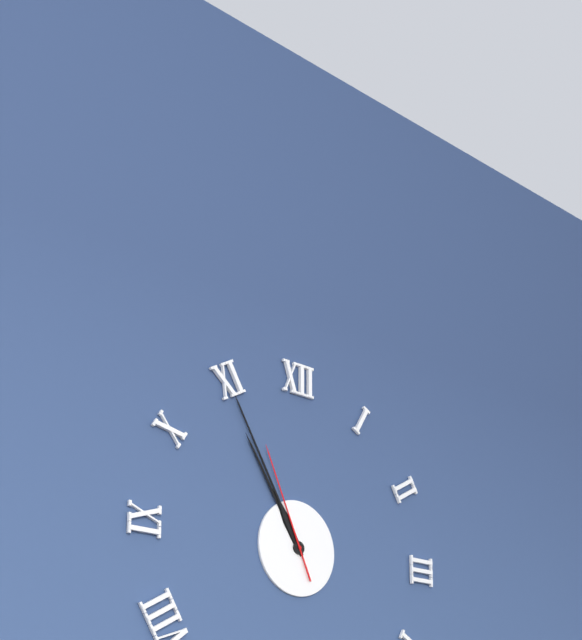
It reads **10:55:56**
